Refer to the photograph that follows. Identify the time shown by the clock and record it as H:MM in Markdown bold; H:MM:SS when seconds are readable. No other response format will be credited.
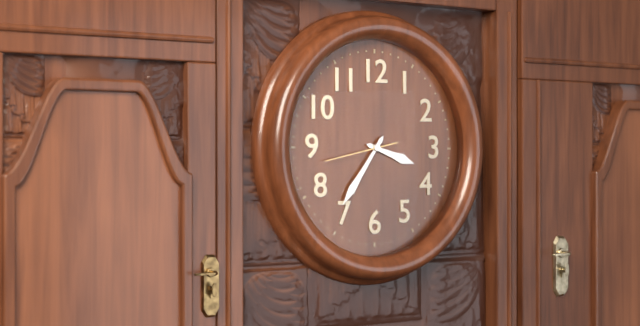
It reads **3:36:43**
